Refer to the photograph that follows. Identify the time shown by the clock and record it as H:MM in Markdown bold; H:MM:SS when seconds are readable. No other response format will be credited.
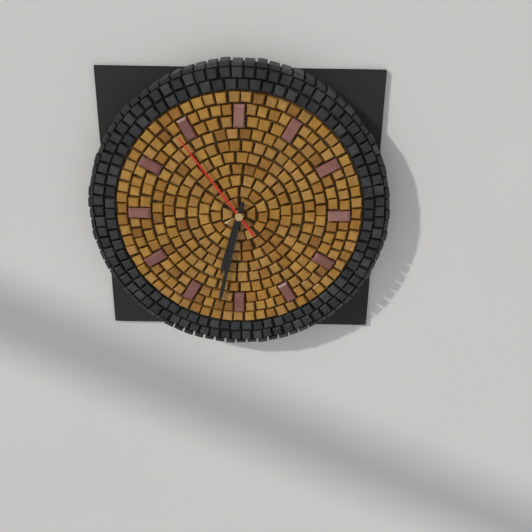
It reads **6:32:54**
